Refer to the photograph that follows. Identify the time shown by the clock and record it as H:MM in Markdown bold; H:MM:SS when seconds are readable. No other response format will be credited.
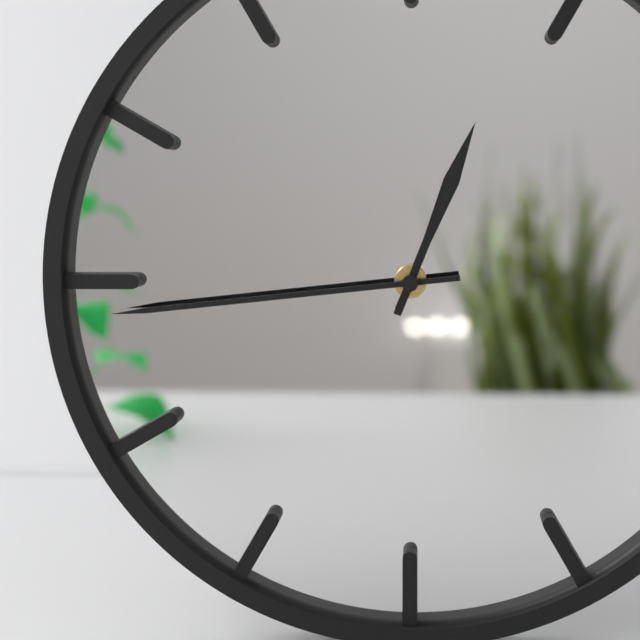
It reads **12:44**
